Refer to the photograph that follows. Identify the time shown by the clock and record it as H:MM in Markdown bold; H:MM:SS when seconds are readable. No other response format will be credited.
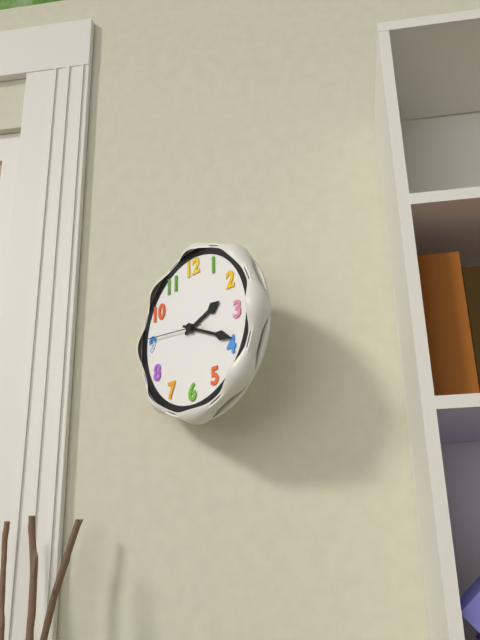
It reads **2:19:46**
